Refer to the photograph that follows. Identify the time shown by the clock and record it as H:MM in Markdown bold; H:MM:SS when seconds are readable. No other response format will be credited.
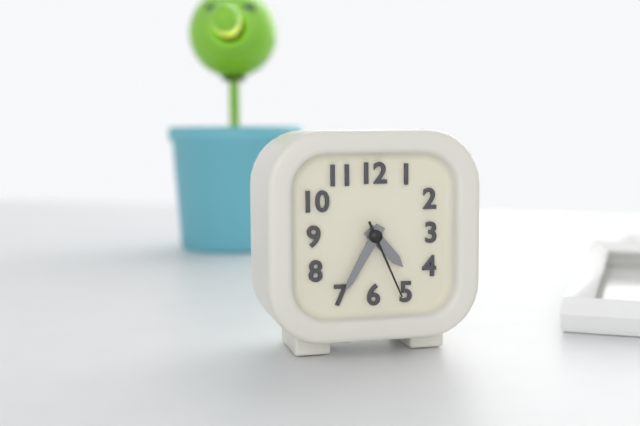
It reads **4:35:26**
